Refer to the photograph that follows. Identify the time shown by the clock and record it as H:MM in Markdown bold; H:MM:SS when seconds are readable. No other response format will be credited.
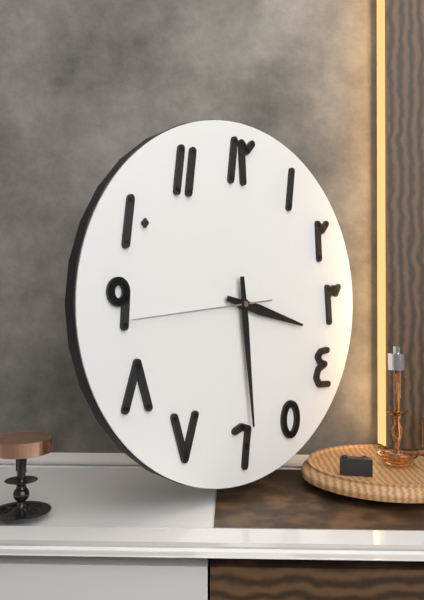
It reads **3:29:44**
